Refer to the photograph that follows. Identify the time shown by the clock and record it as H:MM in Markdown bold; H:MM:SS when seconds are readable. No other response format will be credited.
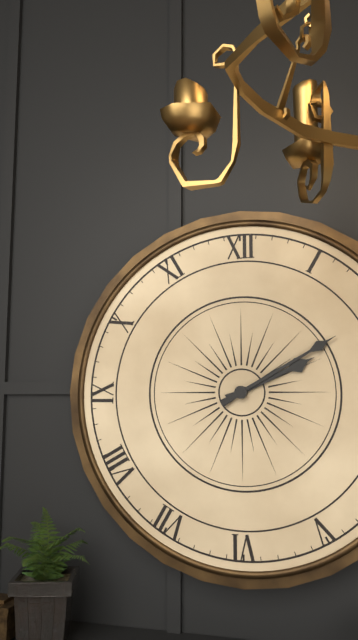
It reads **2:10**
